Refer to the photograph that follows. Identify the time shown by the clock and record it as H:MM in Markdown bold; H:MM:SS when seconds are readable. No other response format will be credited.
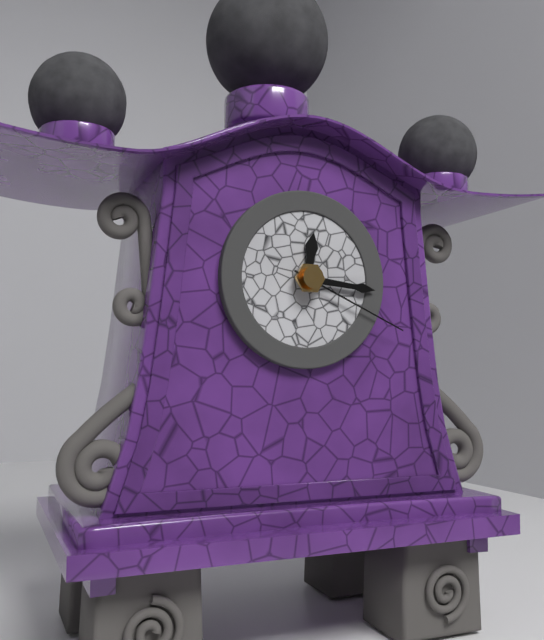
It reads **12:16:19**
